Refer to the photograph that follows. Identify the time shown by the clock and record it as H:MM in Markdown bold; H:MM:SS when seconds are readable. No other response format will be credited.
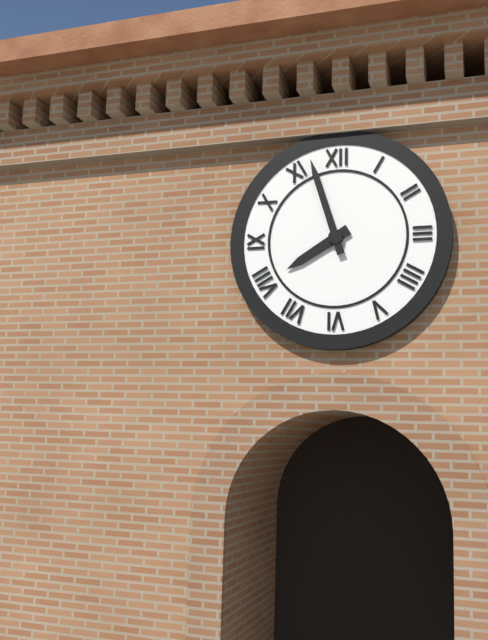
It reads **7:57**
